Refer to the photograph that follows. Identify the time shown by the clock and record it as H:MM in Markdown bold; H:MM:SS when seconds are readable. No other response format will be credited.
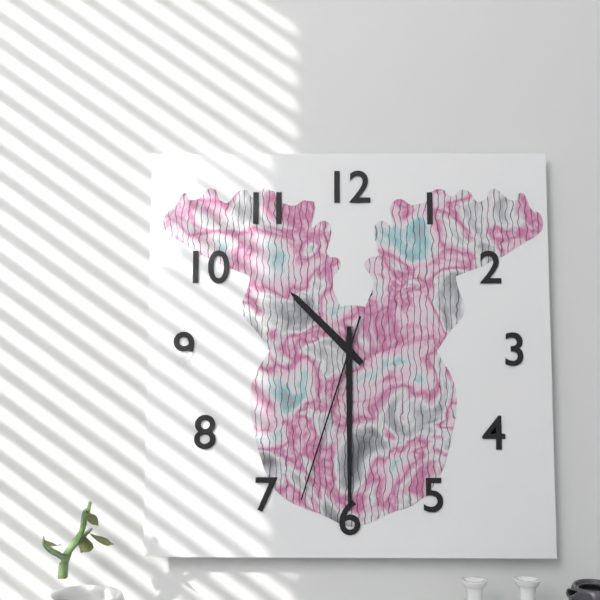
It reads **10:30:33**
